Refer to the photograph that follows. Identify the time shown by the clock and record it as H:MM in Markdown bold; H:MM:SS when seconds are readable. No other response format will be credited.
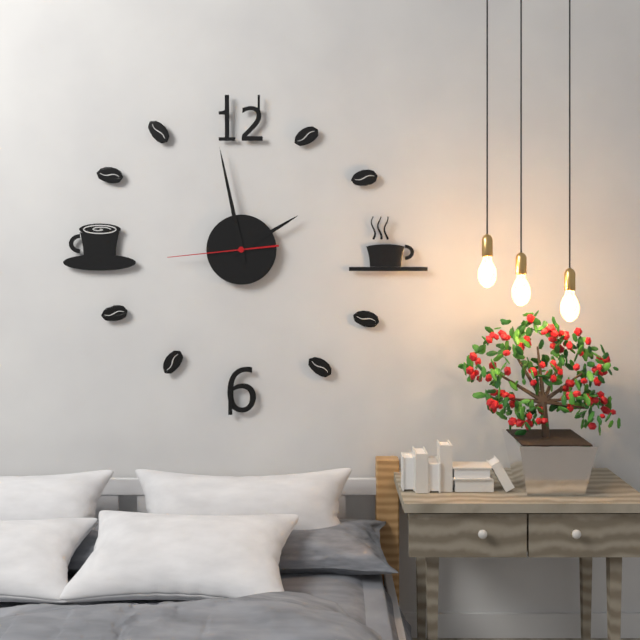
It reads **1:58:44**
